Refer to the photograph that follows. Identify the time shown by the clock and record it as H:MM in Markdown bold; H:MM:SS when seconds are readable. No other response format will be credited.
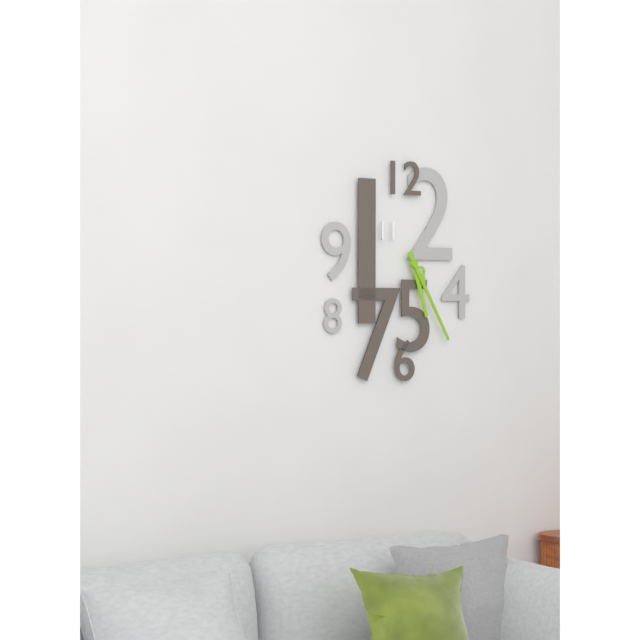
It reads **5:25**
